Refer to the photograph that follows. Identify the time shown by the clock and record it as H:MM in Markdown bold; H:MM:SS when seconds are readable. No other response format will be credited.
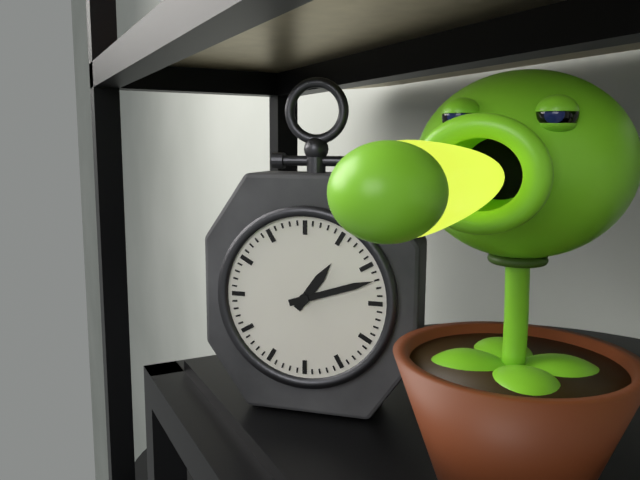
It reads **1:12**
